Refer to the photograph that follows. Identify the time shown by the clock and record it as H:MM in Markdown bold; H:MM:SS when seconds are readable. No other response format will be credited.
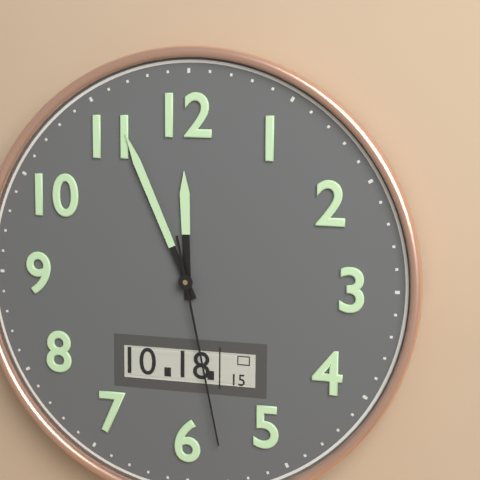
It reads **11:56:28**
